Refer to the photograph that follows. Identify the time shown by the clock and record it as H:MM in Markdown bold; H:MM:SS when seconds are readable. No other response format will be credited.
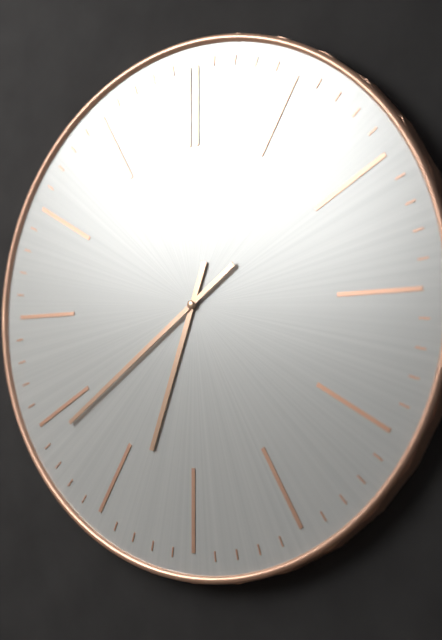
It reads **6:39**
